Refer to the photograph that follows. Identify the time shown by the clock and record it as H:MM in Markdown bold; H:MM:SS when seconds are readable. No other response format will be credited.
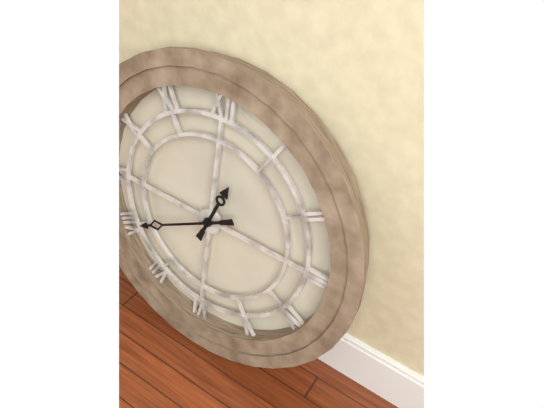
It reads **12:40**
